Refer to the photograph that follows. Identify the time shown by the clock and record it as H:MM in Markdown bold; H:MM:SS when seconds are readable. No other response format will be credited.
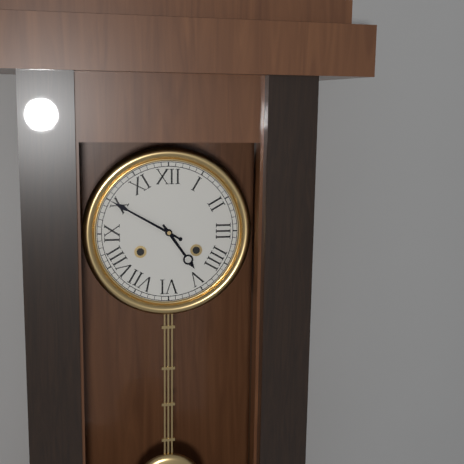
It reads **4:50**
